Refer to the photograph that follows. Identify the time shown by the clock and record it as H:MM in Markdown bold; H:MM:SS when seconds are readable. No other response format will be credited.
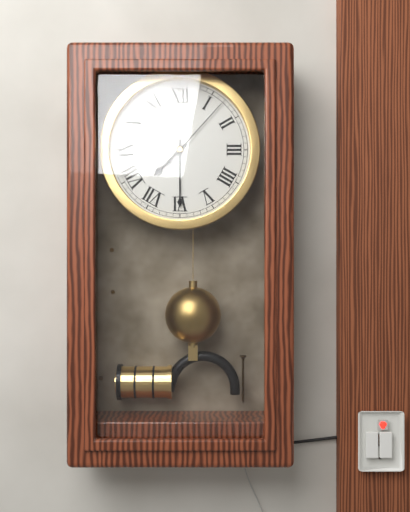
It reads **7:30:07**
